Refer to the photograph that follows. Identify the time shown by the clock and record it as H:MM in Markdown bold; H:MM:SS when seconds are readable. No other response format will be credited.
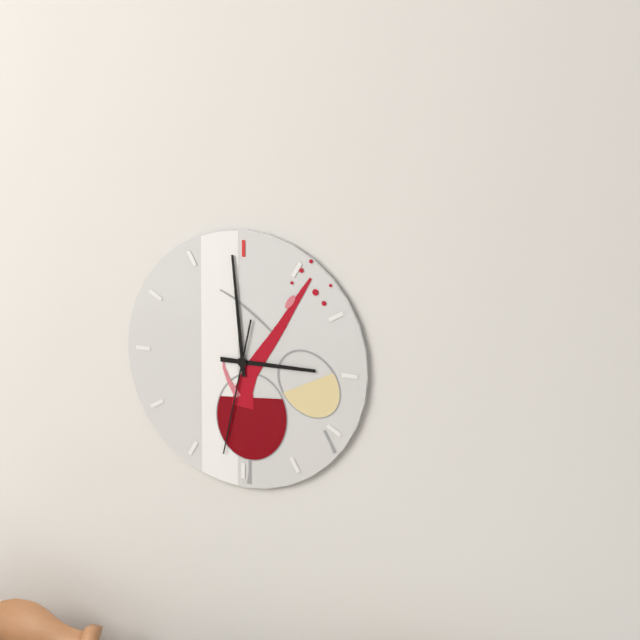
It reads **2:59:32**
